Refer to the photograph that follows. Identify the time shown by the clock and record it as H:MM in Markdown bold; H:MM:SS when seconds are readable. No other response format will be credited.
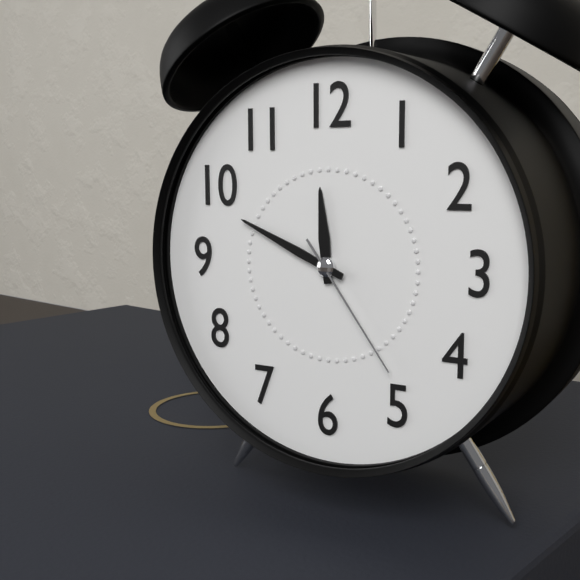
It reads **11:49:24**
